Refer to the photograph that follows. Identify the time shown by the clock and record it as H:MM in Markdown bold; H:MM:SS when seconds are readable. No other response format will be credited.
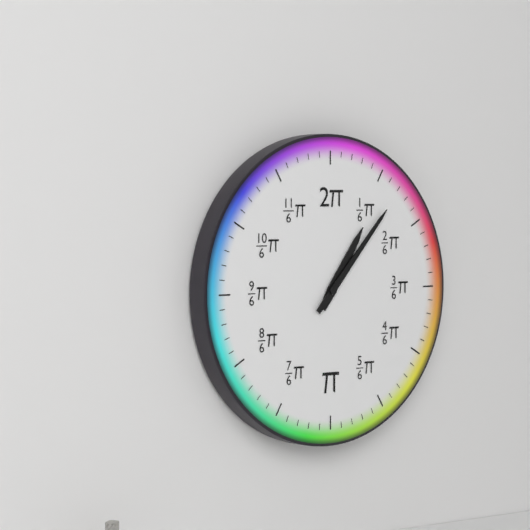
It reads **1:07**
